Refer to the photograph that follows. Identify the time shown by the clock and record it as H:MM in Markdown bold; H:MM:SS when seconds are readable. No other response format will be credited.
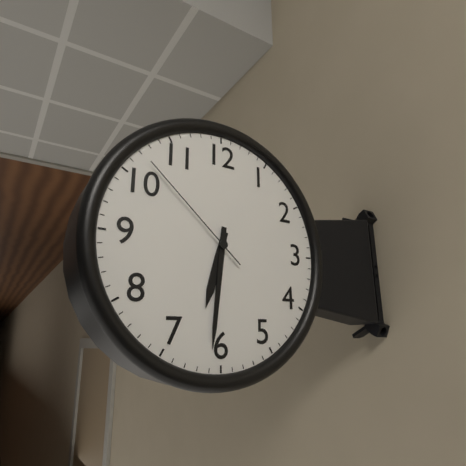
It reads **6:31:52**
